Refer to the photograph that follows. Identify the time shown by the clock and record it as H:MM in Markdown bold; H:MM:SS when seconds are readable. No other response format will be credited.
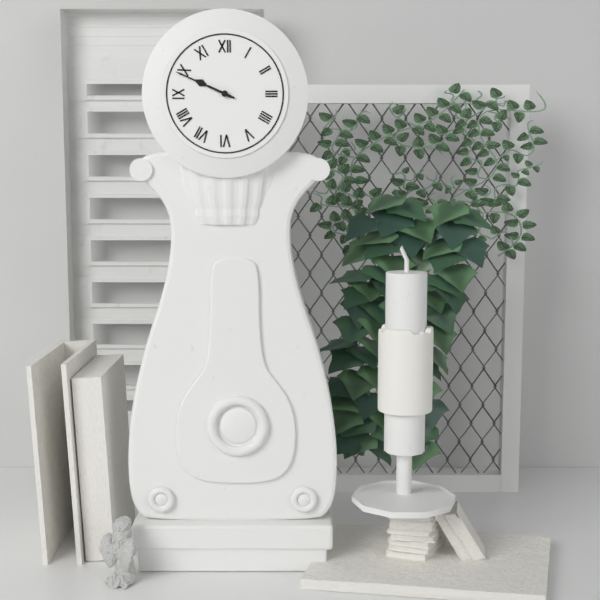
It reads **9:49**
